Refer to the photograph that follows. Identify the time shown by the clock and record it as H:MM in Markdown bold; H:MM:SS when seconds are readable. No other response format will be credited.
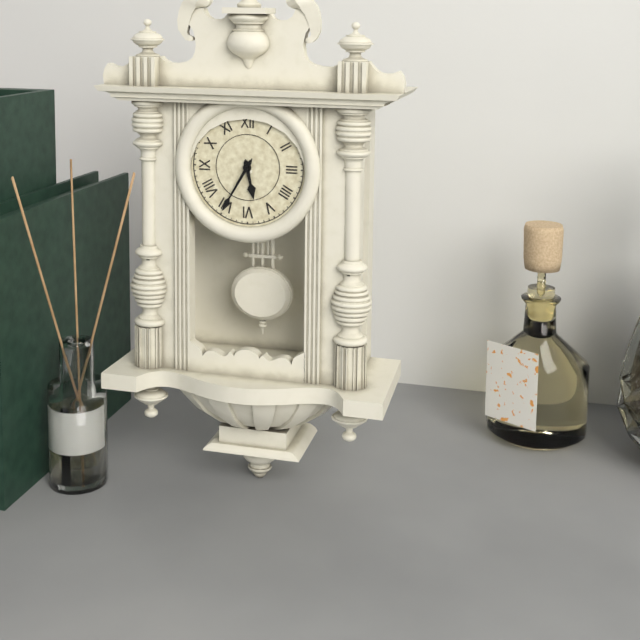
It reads **5:35**
